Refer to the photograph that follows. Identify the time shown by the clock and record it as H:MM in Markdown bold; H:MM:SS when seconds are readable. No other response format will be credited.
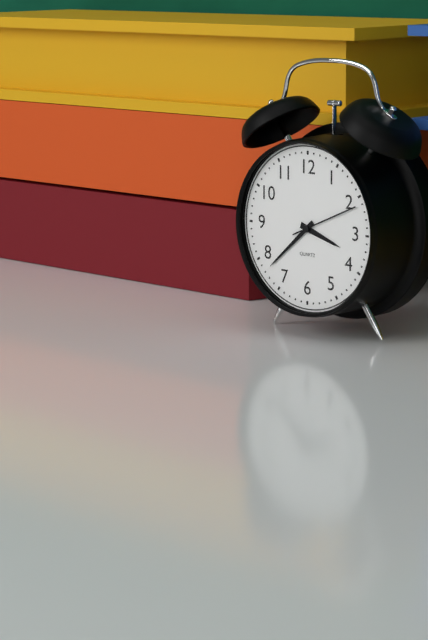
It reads **3:38:11**
